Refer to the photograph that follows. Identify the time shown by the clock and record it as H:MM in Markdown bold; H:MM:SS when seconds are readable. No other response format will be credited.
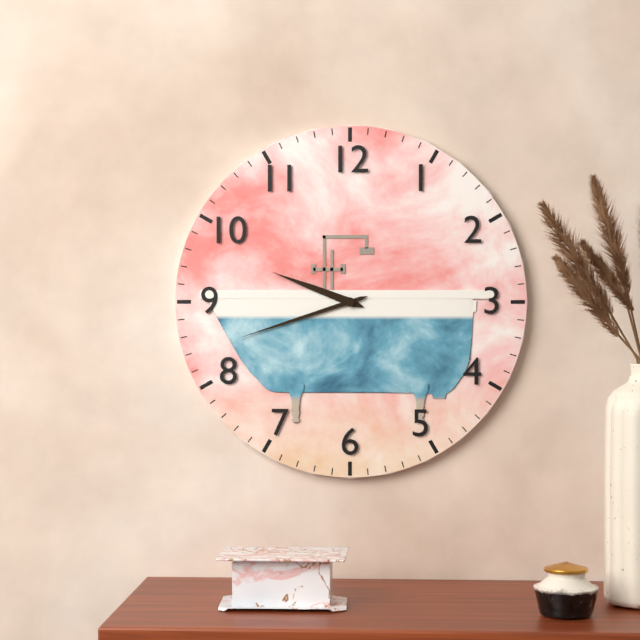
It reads **9:42**
